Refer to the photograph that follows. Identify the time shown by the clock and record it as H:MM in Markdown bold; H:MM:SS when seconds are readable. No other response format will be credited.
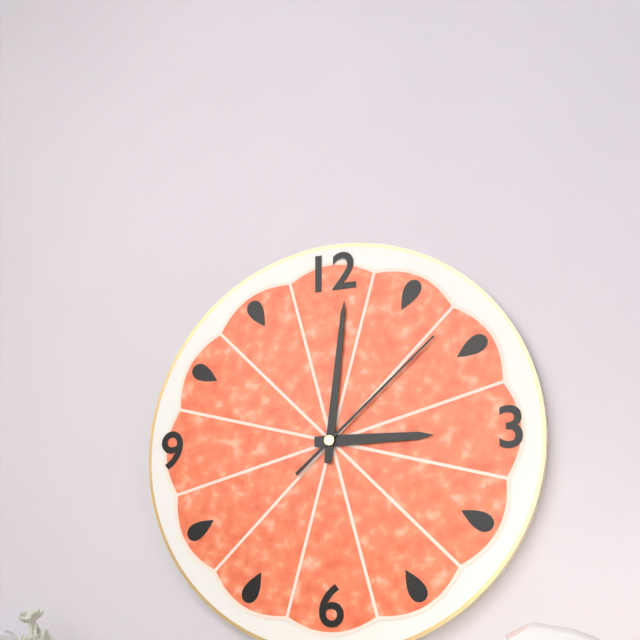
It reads **3:01:08**
